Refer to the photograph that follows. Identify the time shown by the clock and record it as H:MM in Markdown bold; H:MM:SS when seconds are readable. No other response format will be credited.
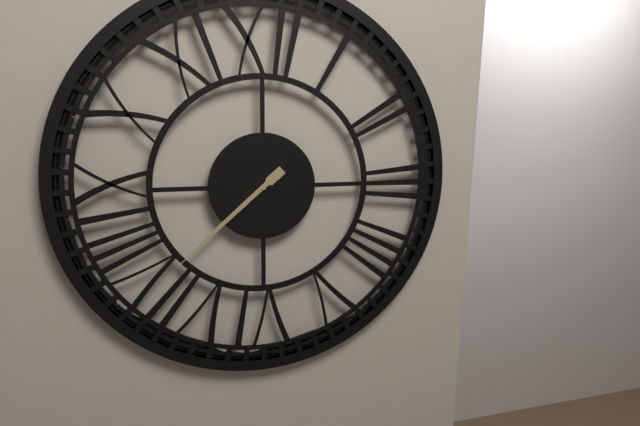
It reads **7:38**
